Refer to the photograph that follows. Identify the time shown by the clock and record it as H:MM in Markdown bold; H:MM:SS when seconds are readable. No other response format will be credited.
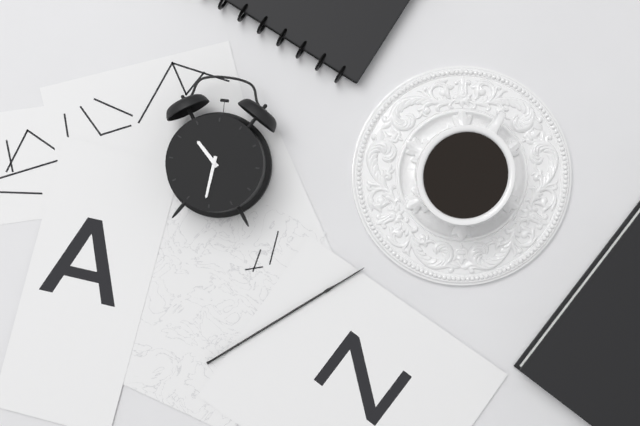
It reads **10:31**
